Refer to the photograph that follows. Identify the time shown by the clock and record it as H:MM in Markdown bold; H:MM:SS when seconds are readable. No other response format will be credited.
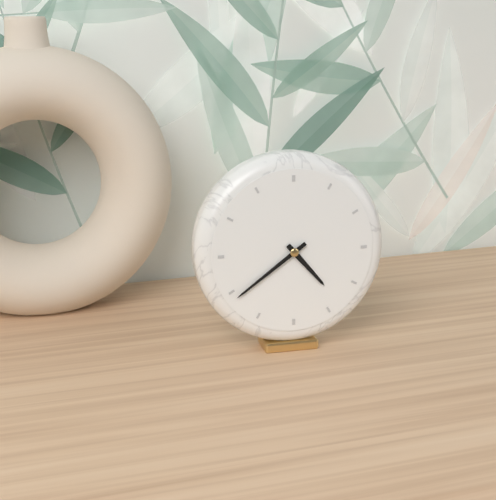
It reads **4:39**
